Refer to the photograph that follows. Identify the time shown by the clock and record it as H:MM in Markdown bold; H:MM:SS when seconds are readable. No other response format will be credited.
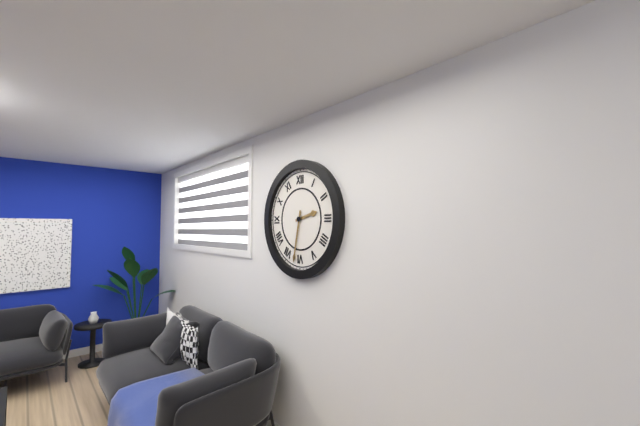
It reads **2:32**
